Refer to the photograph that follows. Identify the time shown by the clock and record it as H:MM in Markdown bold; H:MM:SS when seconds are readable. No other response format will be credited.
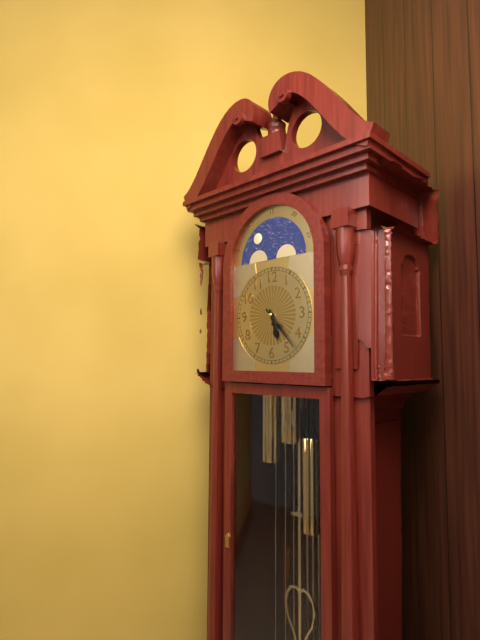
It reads **5:23**
